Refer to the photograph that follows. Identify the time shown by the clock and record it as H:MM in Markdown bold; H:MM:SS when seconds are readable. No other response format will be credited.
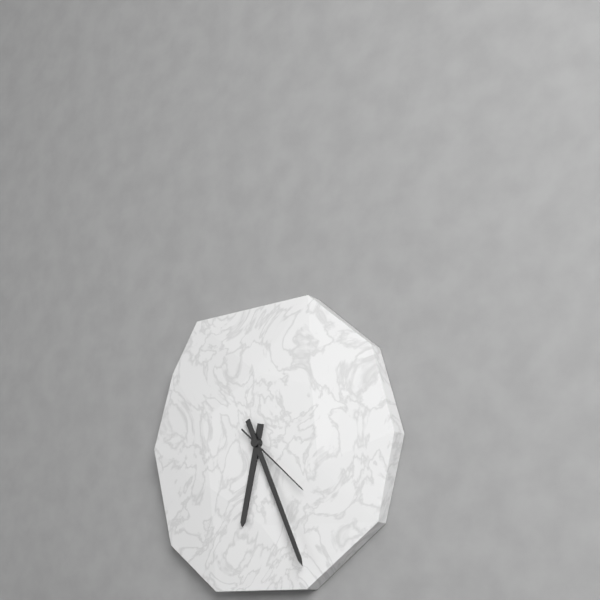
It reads **6:26:22**
